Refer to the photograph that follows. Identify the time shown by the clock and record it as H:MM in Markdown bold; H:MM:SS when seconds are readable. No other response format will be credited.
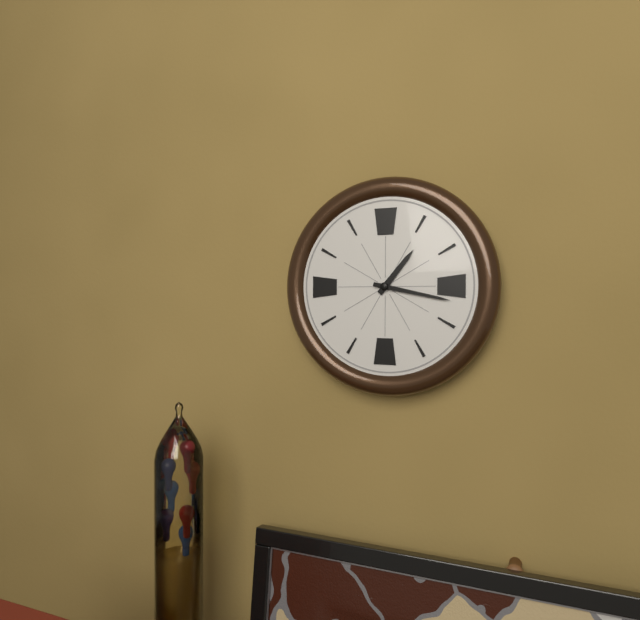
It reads **1:17**
